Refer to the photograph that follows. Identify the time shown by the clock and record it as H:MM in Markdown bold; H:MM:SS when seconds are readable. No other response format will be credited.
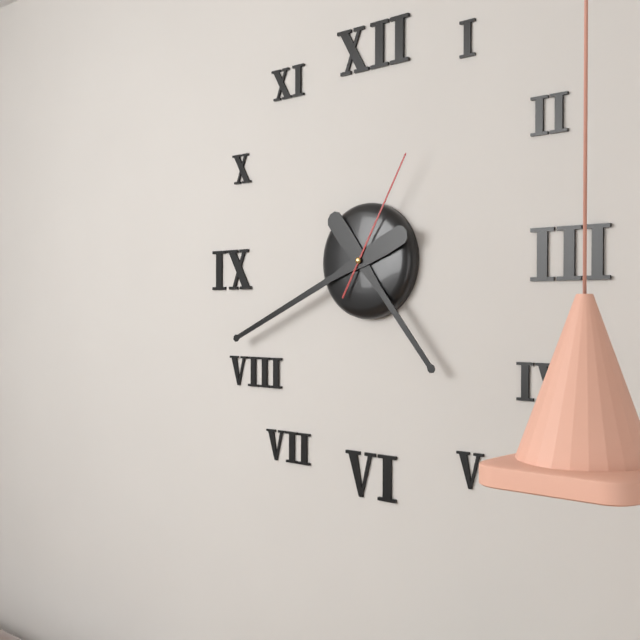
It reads **4:41:05**
